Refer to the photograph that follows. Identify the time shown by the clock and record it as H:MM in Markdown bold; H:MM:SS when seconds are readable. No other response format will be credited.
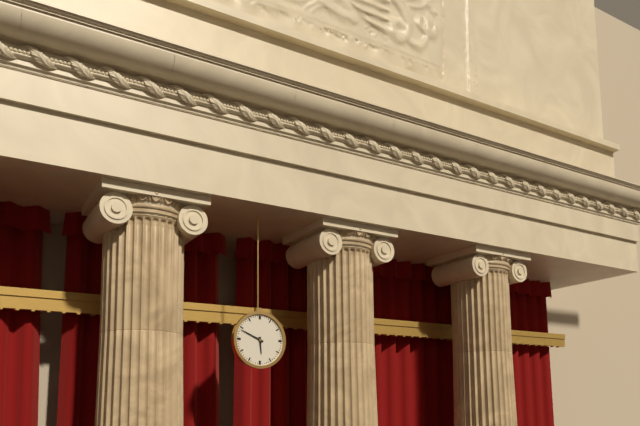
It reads **5:49**
